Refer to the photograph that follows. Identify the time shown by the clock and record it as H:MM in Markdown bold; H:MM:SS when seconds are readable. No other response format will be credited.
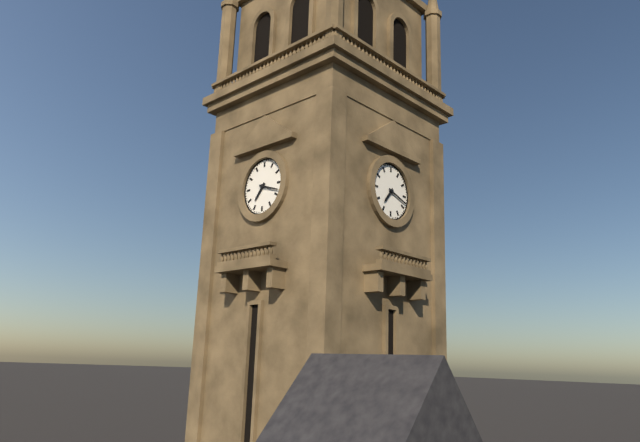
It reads **7:18**
